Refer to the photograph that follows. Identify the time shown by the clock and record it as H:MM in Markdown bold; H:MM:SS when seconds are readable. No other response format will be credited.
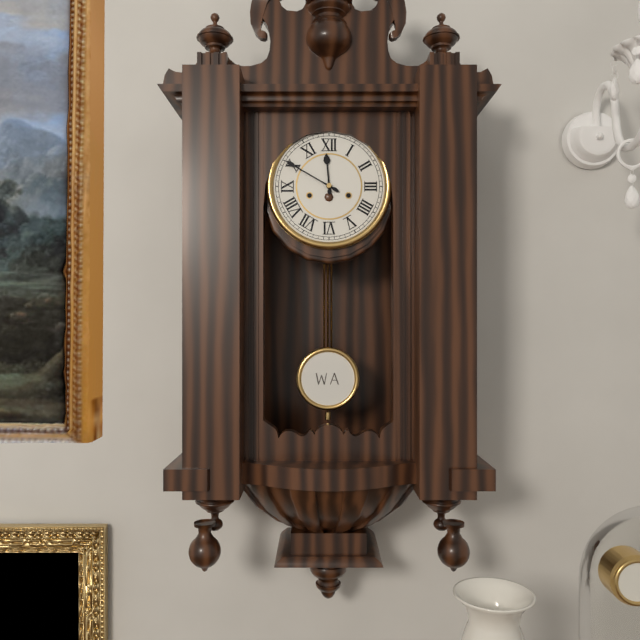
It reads **11:50**
